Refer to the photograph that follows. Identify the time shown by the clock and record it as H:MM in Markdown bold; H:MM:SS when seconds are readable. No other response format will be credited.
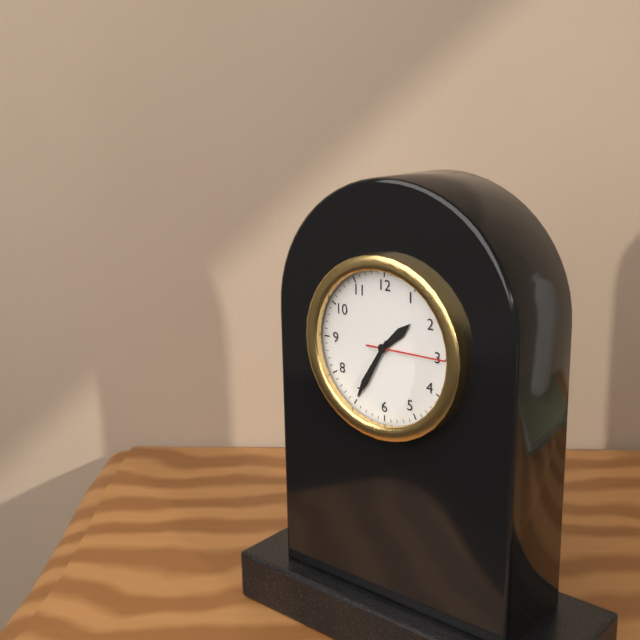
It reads **1:35:15**
